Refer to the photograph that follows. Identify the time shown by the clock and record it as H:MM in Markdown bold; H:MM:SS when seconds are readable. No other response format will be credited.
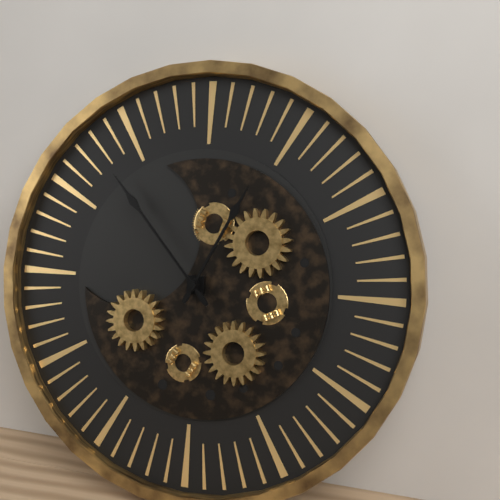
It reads **12:53**
